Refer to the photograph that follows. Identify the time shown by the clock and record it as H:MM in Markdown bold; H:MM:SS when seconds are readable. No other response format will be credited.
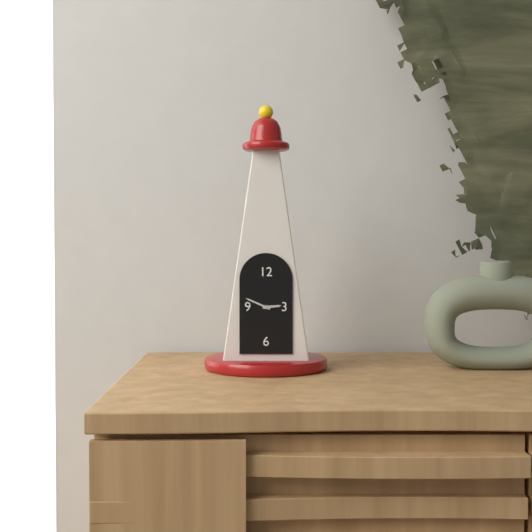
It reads **2:49**
